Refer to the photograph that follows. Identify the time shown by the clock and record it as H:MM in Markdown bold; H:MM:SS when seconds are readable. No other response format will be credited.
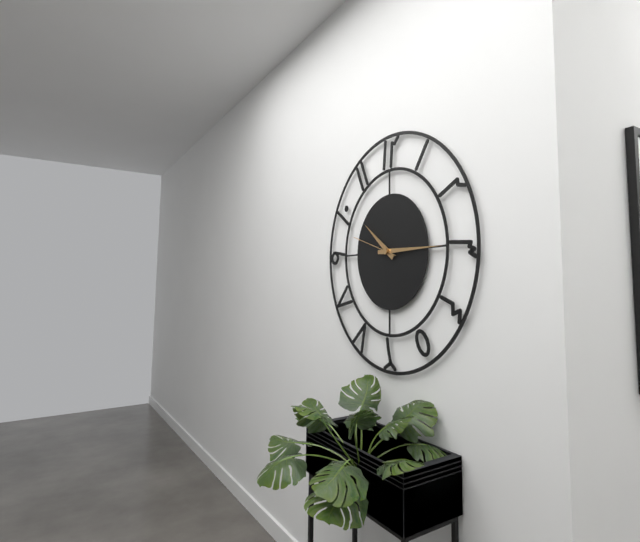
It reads **10:15**
